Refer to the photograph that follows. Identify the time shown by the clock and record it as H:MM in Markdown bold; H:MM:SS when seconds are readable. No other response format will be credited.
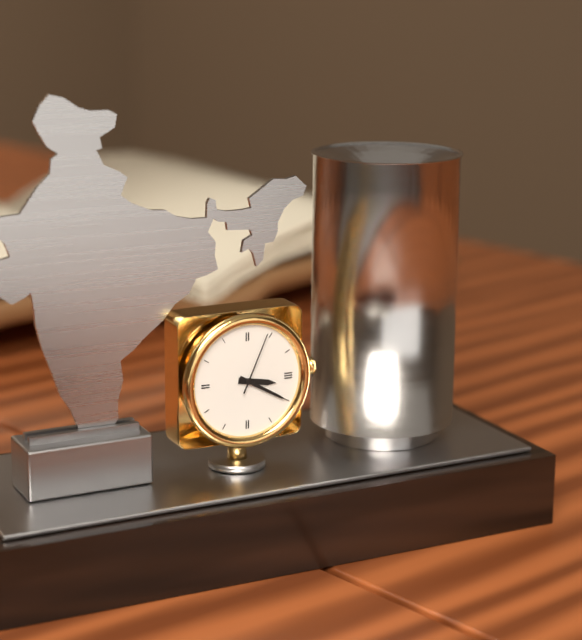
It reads **3:20:04**
